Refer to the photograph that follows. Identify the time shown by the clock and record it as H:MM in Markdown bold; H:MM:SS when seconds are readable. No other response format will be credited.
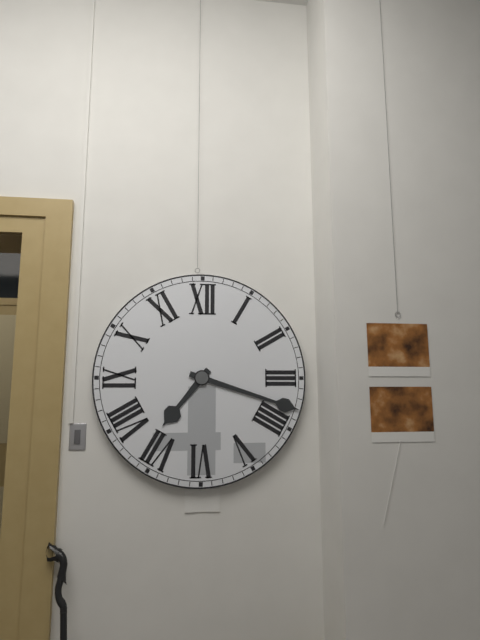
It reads **7:18**
